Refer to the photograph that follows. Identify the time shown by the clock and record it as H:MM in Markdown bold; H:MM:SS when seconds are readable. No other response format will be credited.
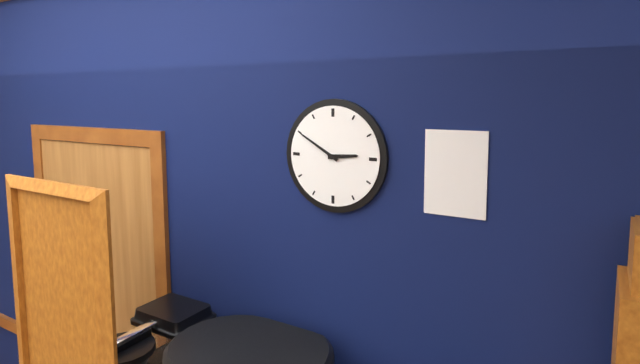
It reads **2:50**
